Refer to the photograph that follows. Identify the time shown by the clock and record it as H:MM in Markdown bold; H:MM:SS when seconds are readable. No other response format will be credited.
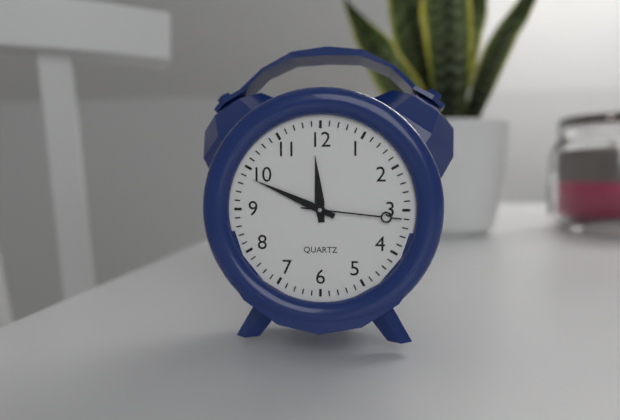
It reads **11:49:16**
